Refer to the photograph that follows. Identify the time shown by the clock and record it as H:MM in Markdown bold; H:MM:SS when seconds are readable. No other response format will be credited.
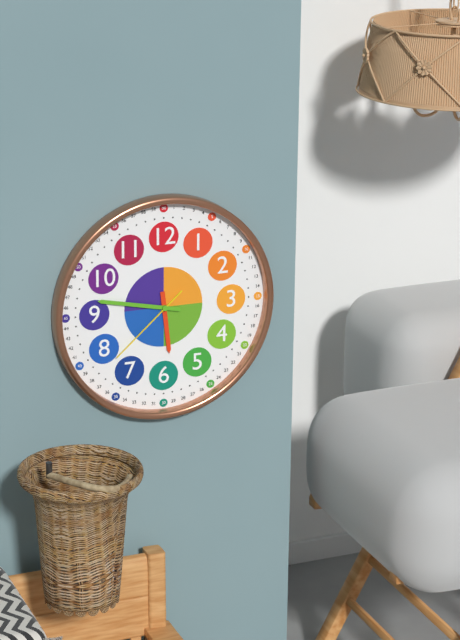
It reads **5:47:38**
